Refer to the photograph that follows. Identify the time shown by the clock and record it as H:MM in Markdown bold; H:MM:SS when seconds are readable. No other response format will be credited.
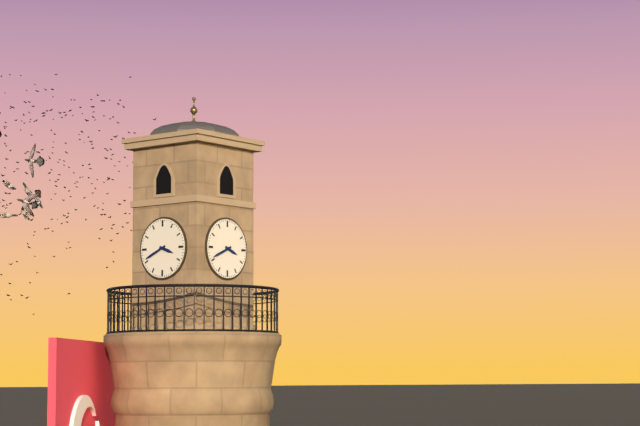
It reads **3:41**
